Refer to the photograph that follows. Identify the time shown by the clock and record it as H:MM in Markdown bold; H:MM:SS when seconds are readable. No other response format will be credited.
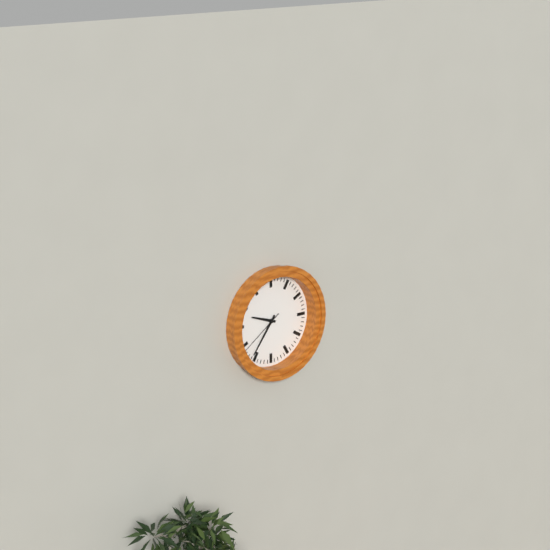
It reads **9:36:39**
